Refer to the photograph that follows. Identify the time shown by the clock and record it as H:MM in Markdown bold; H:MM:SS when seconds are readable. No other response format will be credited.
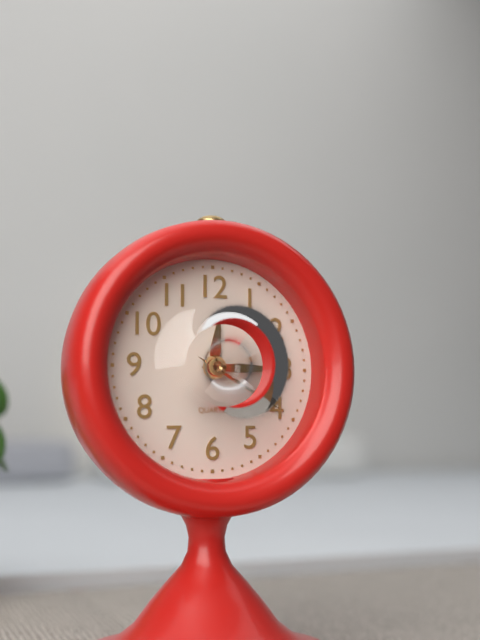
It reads **12:15:20**
